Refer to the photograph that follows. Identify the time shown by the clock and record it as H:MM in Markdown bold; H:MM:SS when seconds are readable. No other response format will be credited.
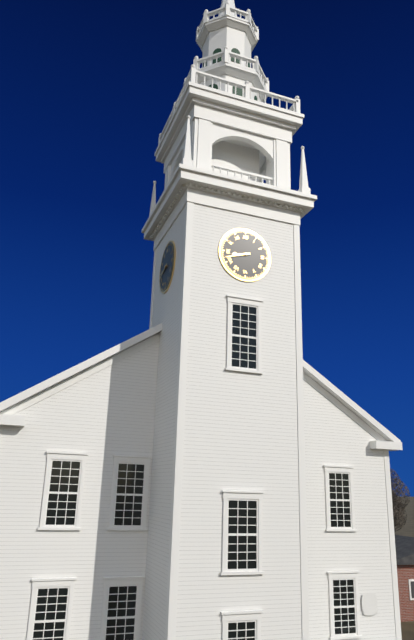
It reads **8:42**
